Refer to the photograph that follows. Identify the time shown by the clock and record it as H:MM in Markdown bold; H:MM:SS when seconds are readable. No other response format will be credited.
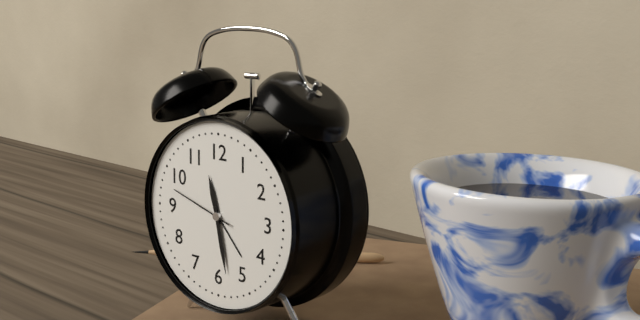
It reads **11:28:48**
